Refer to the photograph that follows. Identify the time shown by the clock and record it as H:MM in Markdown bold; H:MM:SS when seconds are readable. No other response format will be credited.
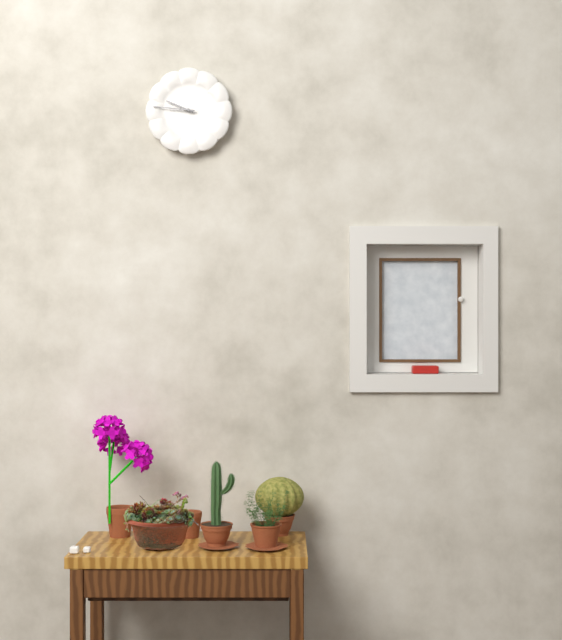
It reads **9:46**
